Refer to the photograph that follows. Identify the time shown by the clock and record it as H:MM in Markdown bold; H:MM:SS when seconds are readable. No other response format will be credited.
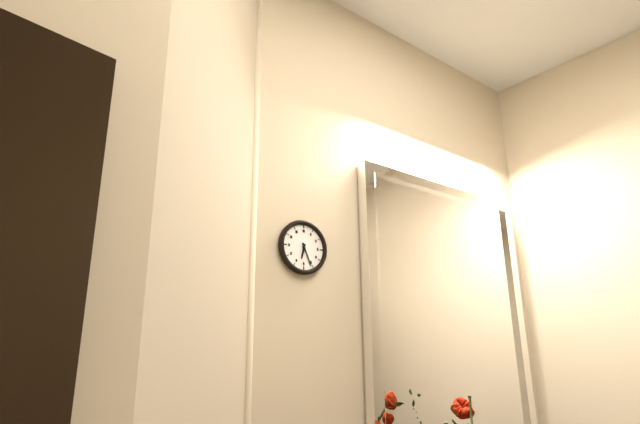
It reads **6:26**
